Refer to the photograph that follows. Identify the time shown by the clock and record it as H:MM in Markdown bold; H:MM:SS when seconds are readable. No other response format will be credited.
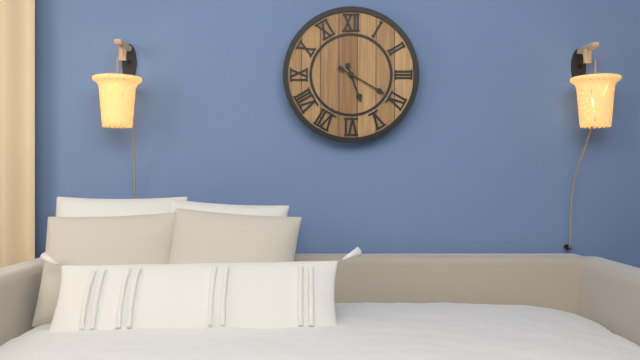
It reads **5:20**
